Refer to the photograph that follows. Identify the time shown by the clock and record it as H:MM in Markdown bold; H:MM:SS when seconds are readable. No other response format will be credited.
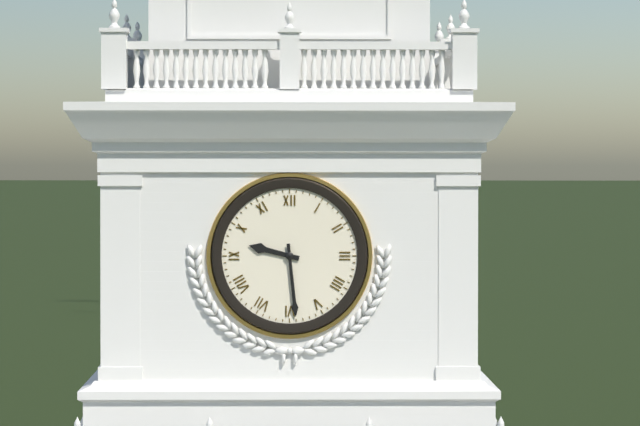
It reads **9:29**
